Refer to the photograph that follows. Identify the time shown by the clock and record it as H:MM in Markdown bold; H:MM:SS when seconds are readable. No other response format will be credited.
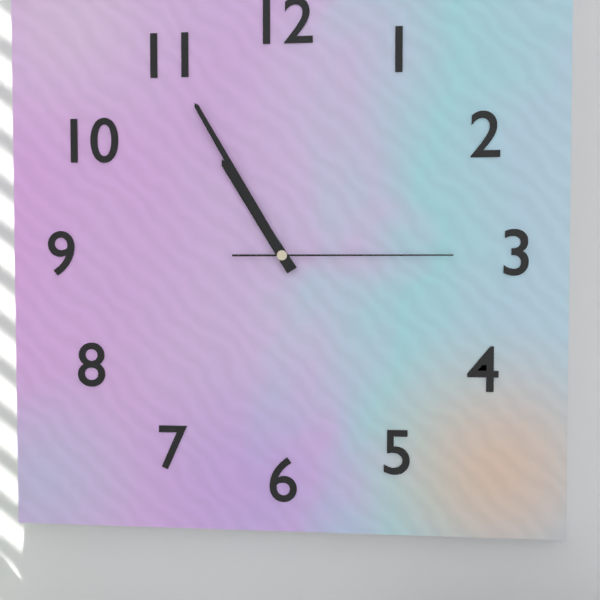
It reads **10:55:15**
